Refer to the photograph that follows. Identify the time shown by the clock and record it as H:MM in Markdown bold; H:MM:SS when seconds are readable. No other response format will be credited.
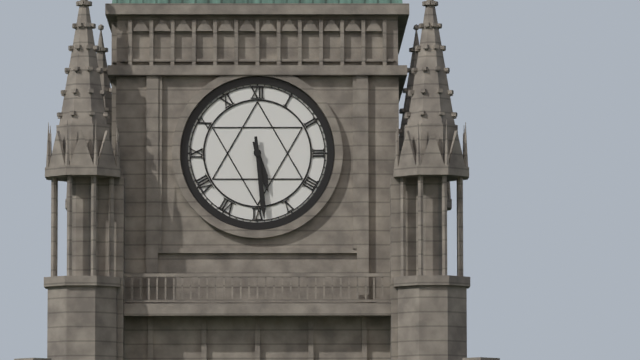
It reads **5:29**
